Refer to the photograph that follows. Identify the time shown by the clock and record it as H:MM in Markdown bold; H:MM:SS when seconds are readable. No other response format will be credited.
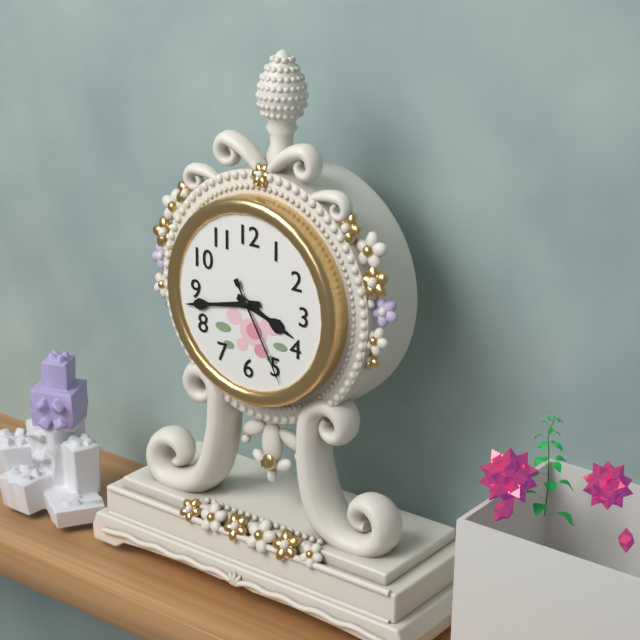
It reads **3:43:25**
